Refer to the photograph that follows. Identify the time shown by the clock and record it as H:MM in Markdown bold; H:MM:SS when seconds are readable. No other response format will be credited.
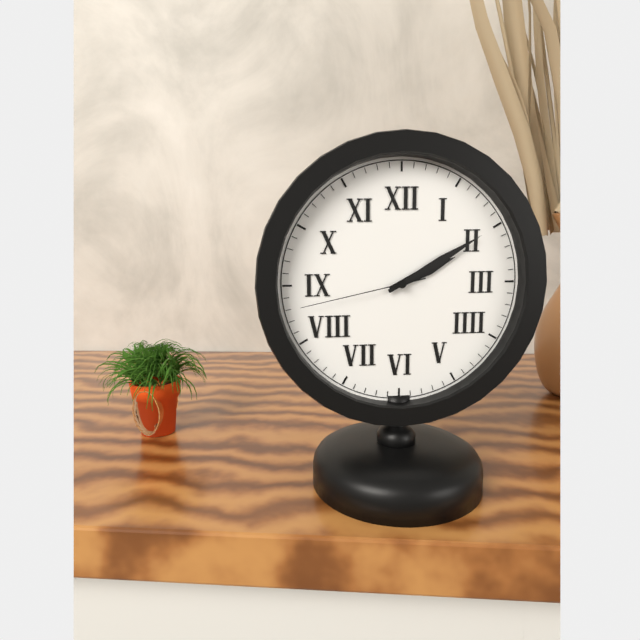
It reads **2:10:43**
